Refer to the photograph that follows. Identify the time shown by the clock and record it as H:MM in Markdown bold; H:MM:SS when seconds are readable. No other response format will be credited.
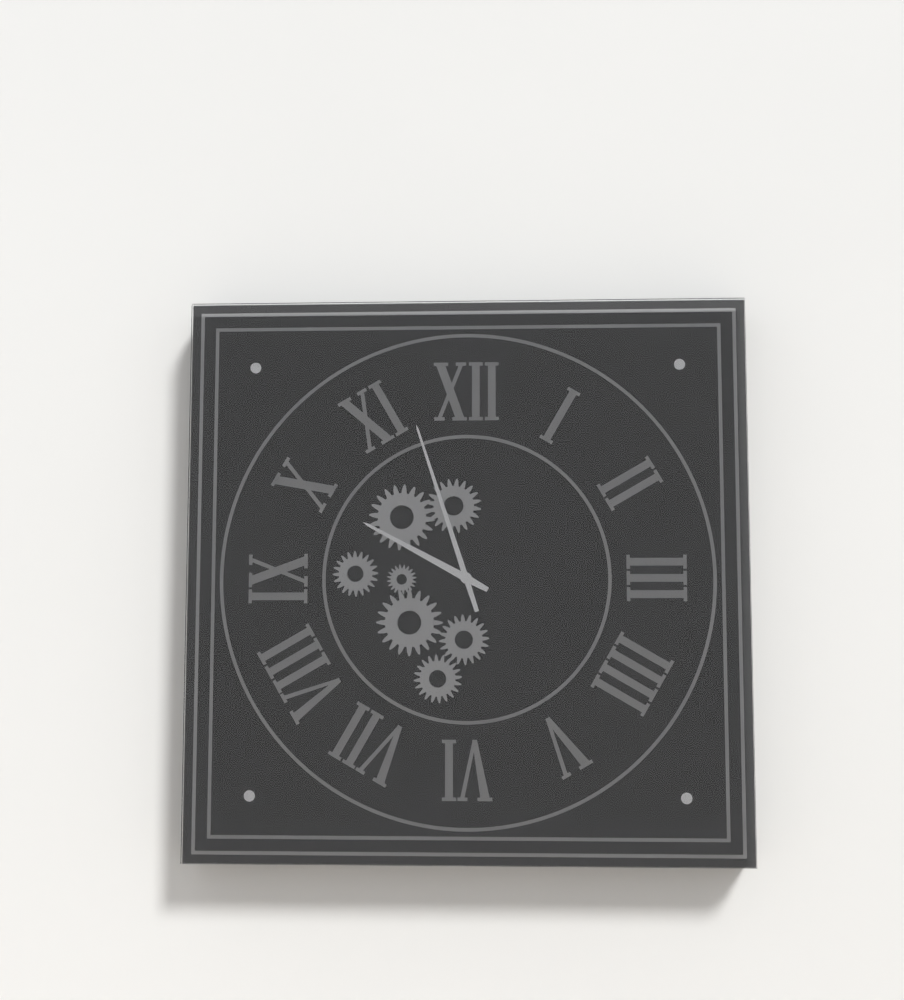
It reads **9:57**
